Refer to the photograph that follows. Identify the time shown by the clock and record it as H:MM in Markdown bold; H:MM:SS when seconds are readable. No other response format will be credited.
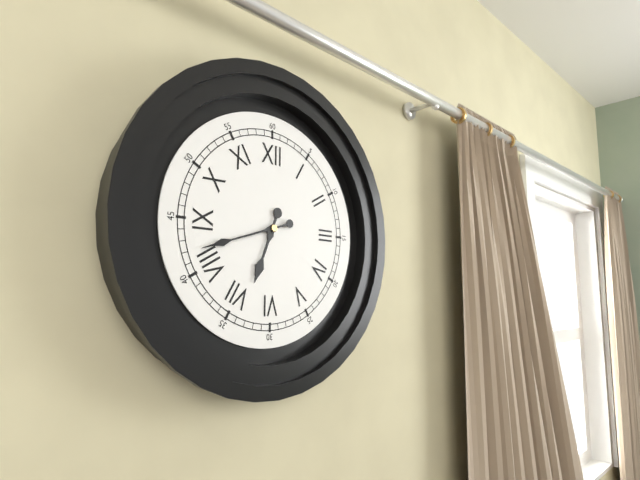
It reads **6:42**
